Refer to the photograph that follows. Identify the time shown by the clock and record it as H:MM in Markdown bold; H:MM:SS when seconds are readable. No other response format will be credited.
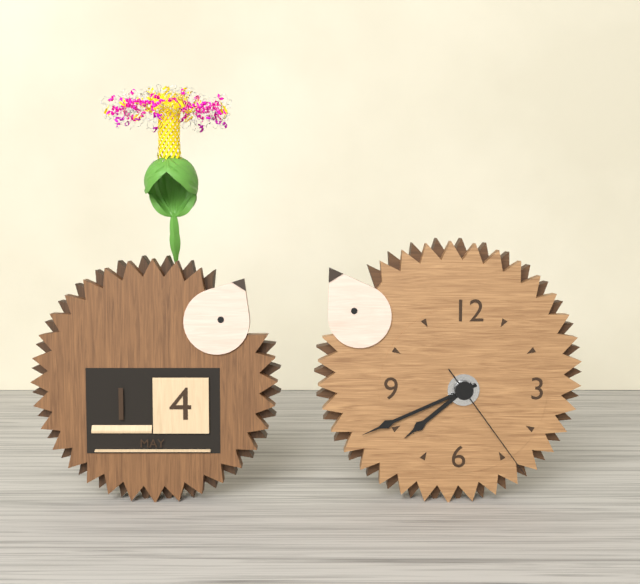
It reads **7:41:24**
